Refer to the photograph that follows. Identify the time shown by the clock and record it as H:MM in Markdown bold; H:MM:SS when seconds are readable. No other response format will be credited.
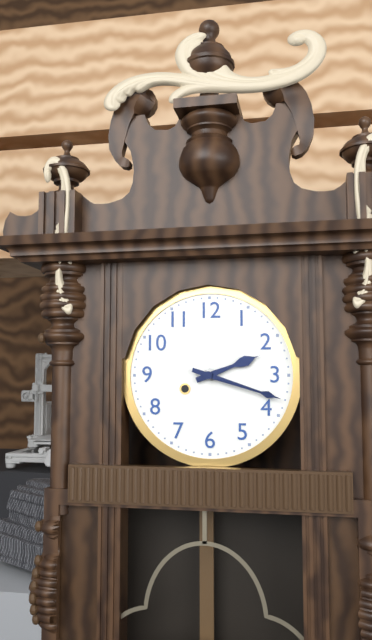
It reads **2:18**
